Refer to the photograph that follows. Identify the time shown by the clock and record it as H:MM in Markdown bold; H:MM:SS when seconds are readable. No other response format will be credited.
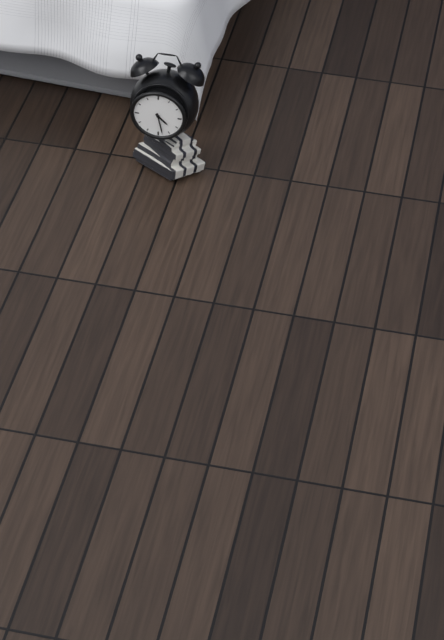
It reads **4:28**
